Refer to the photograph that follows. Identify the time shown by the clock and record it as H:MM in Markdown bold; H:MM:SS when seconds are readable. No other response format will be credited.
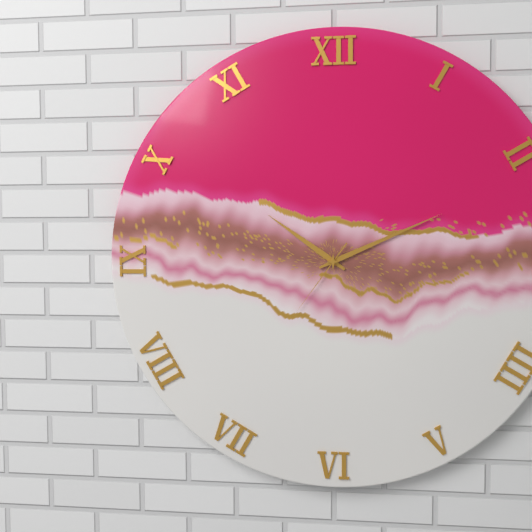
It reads **10:11:36**
